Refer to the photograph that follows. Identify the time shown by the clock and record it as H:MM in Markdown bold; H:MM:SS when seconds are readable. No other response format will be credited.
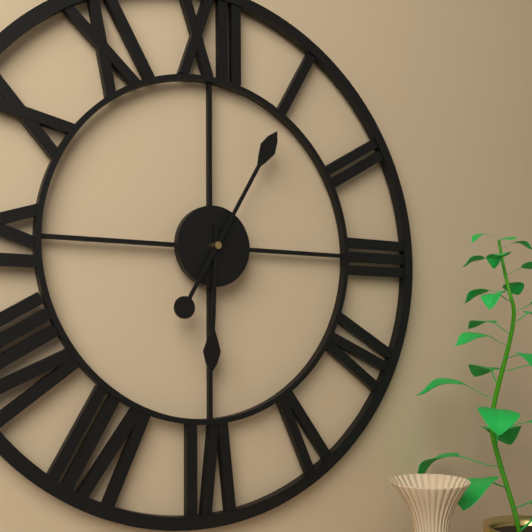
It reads **6:05**
